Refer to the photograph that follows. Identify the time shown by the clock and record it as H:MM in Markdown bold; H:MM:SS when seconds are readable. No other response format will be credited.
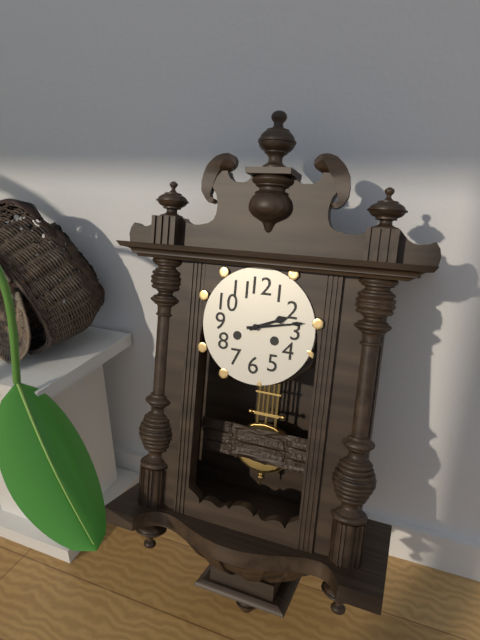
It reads **2:13**
